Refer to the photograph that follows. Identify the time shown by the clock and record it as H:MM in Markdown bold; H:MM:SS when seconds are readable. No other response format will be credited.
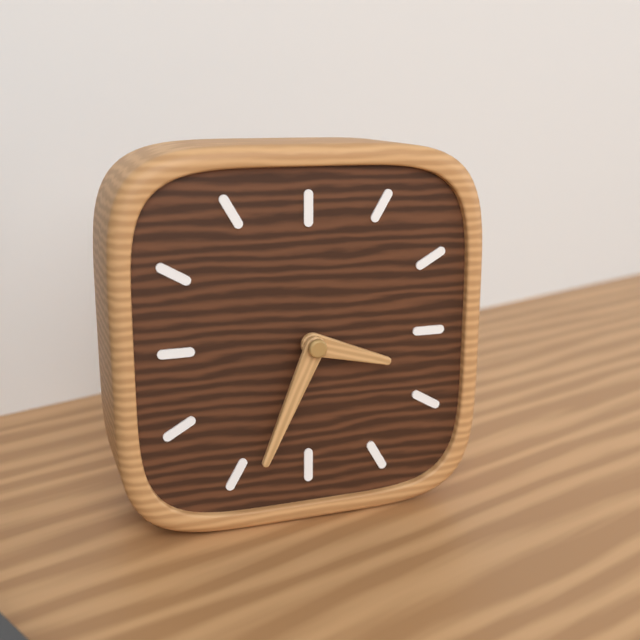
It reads **3:34**
